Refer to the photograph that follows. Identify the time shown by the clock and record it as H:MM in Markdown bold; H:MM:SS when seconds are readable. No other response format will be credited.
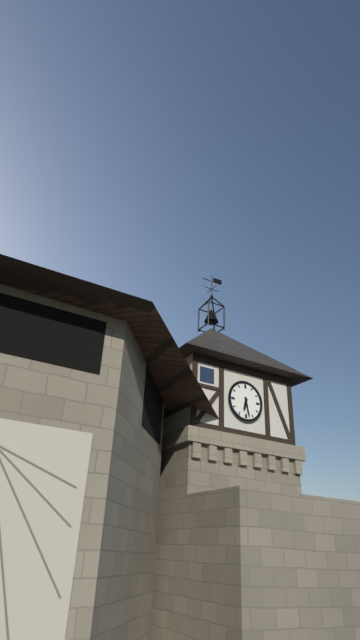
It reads **6:28**
